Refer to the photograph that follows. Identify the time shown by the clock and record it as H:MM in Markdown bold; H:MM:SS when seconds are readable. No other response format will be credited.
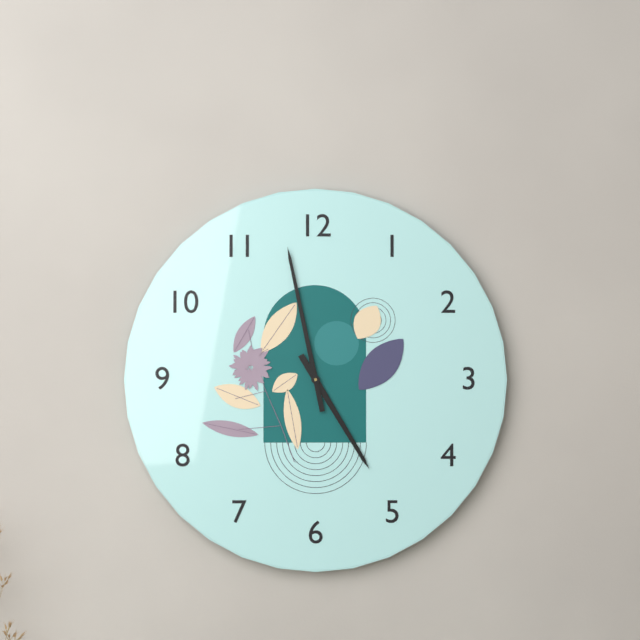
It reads **4:58**
